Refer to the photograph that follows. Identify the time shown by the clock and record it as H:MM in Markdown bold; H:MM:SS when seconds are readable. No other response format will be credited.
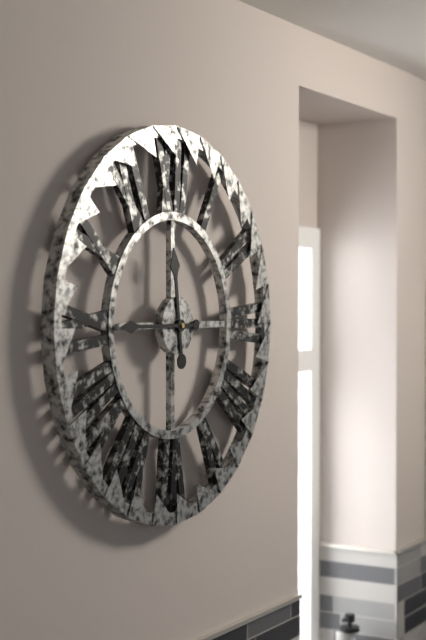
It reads **11:45**
